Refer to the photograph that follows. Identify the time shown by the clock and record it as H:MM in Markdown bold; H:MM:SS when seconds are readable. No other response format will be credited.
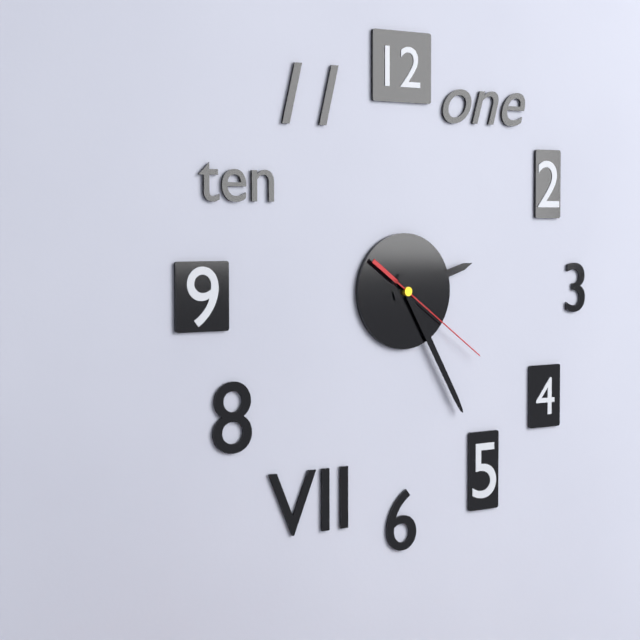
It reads **2:25:21**
